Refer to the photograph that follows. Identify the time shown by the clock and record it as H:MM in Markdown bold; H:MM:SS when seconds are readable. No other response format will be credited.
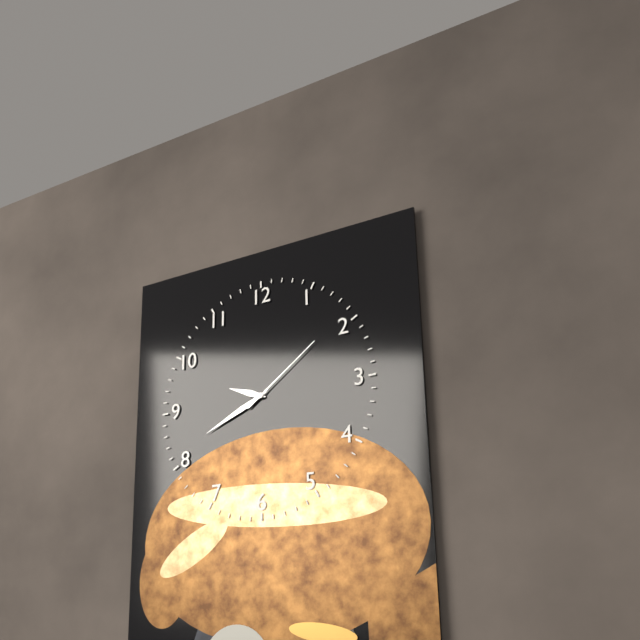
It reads **9:41:09**
